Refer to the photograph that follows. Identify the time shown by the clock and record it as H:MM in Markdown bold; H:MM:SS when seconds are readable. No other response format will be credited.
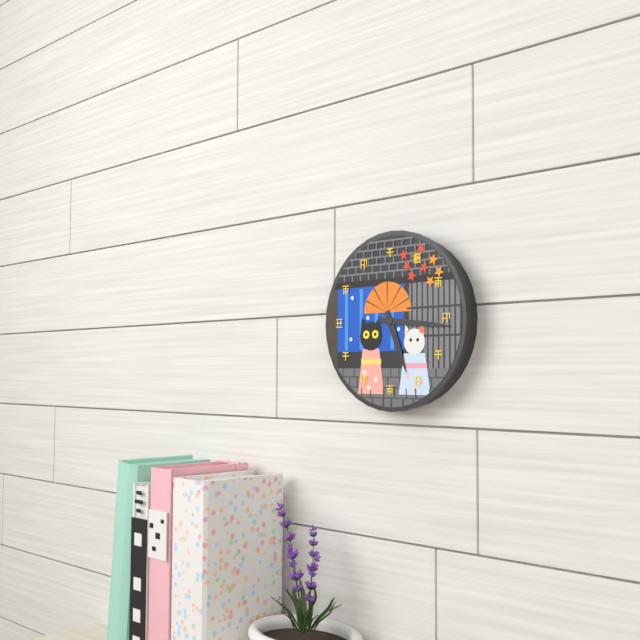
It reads **5:16**
